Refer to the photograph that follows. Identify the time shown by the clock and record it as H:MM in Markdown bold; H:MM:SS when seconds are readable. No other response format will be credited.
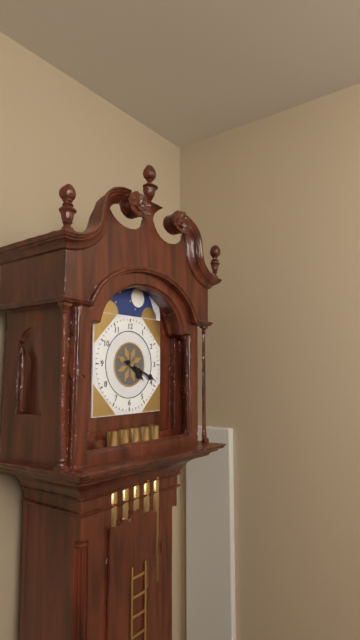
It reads **4:19**
